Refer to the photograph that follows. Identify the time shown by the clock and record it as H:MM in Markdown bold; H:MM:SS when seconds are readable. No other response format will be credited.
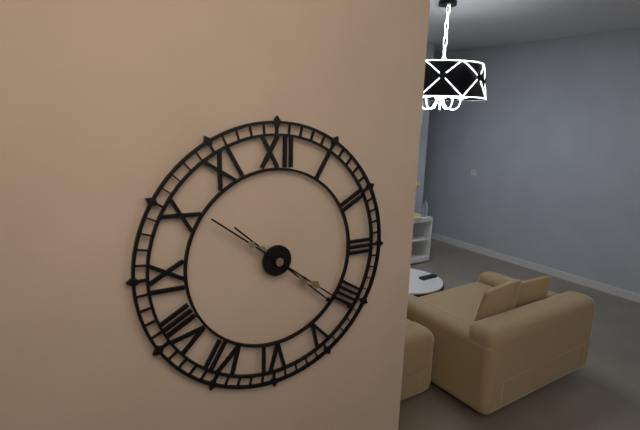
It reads **4:21**
